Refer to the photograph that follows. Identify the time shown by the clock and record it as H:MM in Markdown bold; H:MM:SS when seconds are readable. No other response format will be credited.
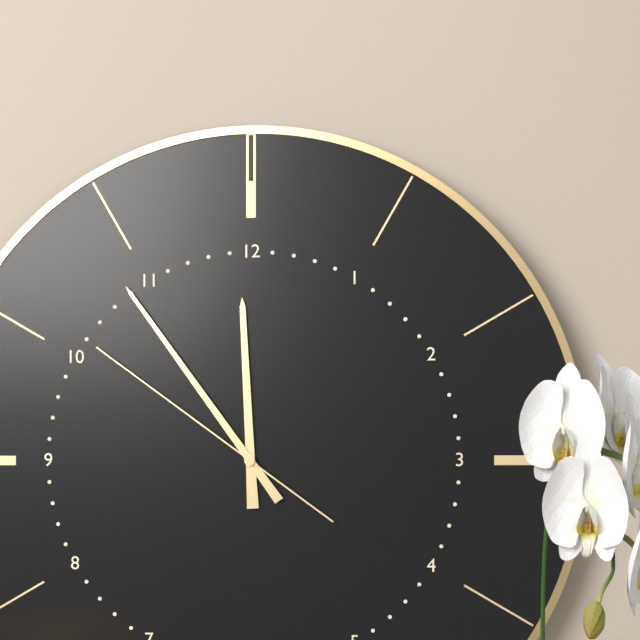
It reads **11:54:51**
